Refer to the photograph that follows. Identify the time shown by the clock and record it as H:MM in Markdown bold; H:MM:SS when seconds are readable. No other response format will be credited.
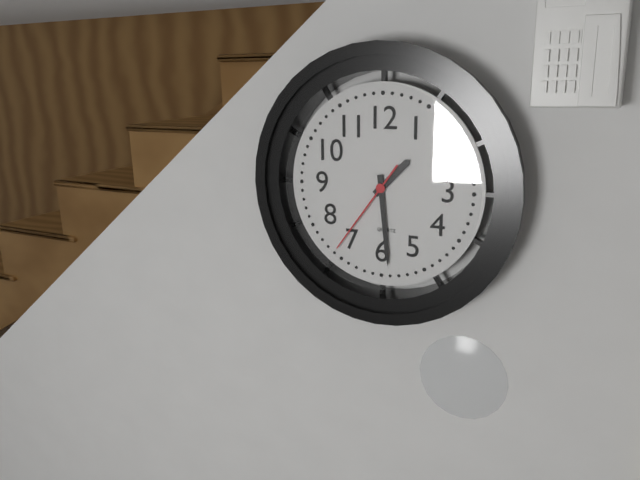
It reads **1:29:36**
